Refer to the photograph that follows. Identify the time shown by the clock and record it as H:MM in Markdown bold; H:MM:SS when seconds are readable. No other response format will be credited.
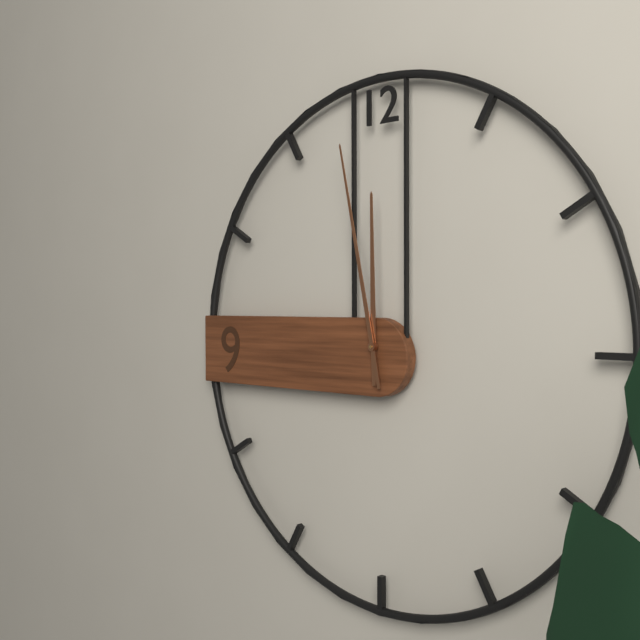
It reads **11:58**
